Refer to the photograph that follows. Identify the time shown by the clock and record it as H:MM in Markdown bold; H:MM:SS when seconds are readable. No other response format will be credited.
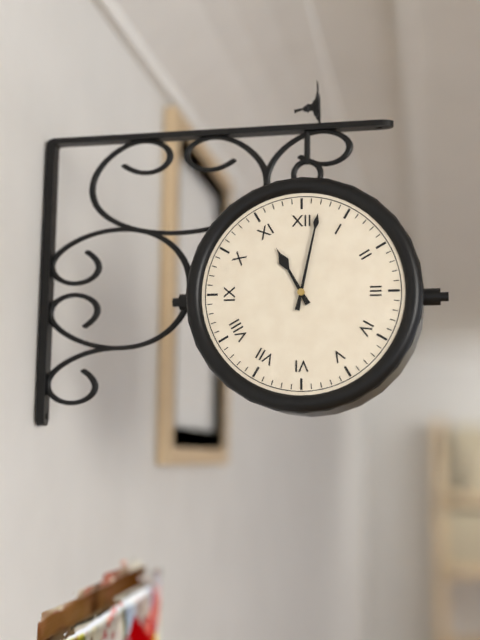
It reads **11:02**
